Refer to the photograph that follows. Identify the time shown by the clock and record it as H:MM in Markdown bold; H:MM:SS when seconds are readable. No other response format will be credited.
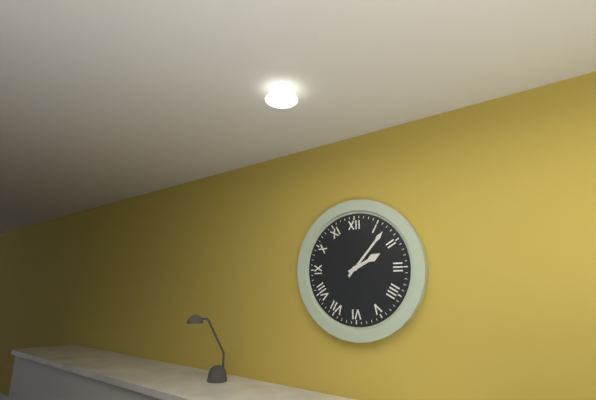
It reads **2:07**
